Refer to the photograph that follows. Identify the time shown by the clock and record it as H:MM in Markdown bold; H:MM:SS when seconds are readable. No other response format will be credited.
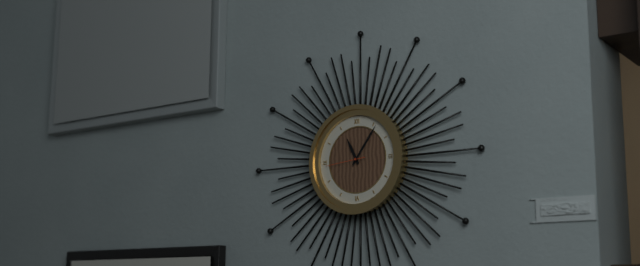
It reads **11:06**
